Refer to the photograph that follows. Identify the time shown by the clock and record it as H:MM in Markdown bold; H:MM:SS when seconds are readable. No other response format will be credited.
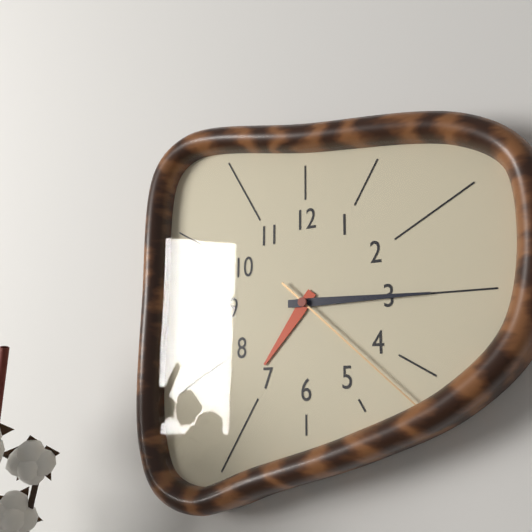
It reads **7:15:22**
